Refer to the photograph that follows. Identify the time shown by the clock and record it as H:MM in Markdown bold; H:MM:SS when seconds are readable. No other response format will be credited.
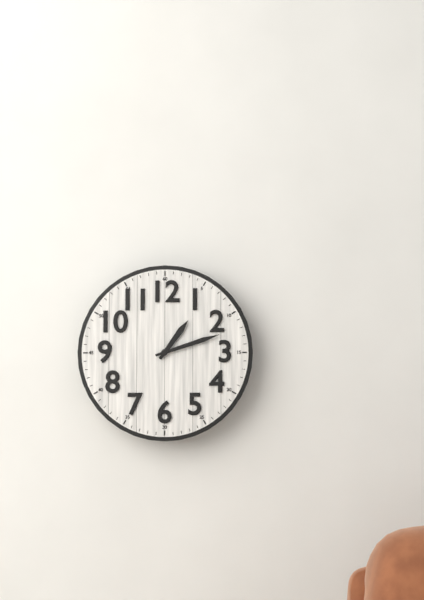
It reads **1:12**
